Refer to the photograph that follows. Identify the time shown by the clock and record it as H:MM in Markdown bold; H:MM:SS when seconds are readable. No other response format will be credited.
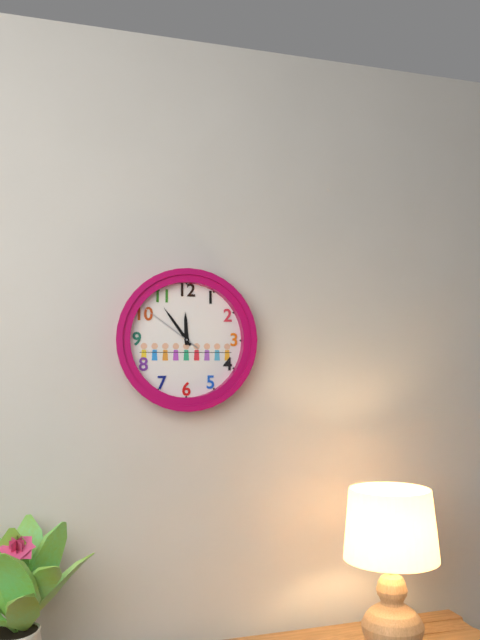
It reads **11:54:51**
